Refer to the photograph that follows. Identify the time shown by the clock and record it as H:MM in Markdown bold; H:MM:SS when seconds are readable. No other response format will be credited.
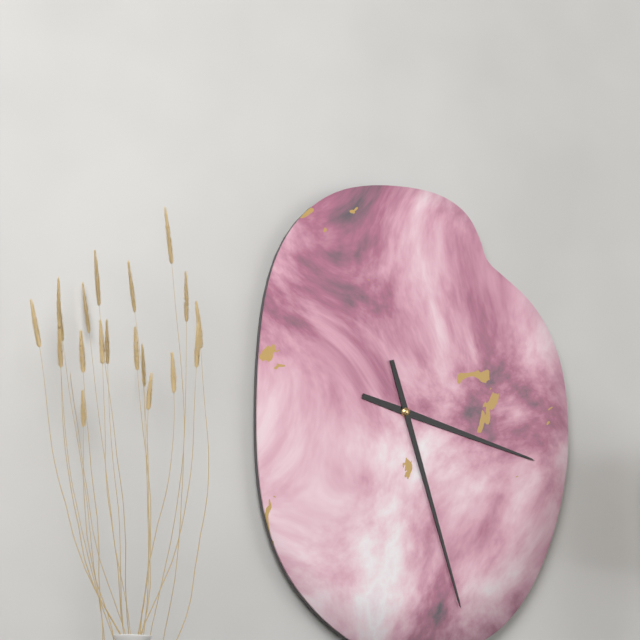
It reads **3:27**
